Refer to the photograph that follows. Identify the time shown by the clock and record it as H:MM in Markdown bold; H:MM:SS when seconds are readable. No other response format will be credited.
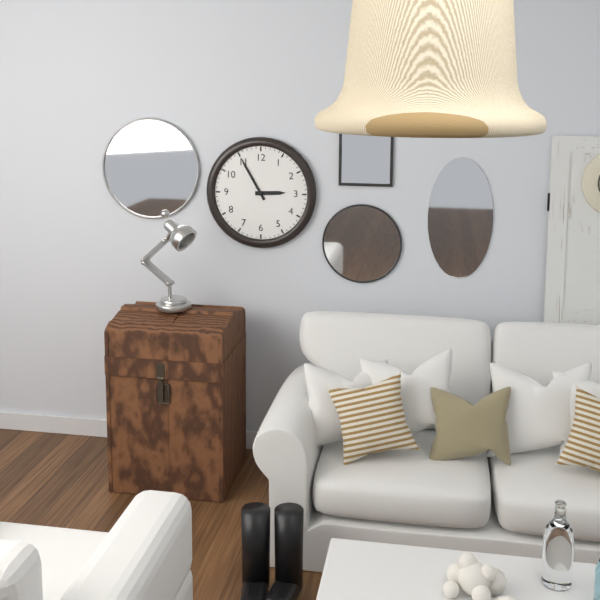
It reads **2:55**
